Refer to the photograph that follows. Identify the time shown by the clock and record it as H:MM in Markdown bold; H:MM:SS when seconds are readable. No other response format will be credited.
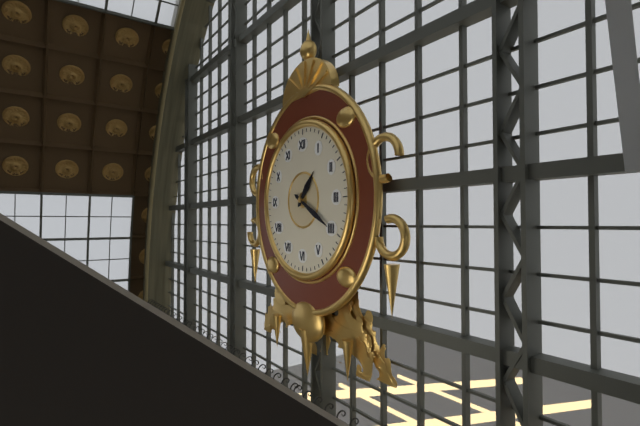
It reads **1:20**
